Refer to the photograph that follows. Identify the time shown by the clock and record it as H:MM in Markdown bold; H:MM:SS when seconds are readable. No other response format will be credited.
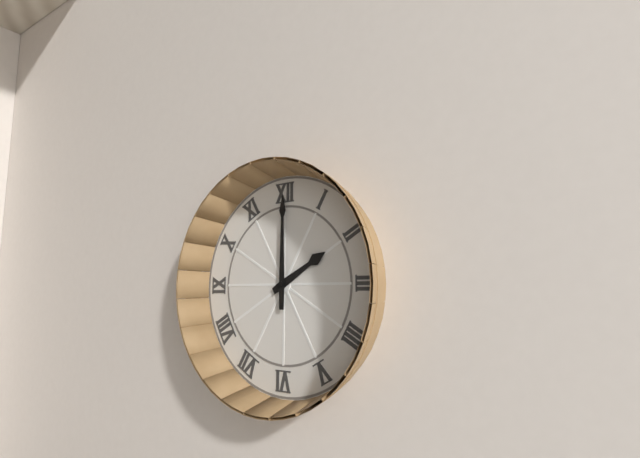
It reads **2:00**
